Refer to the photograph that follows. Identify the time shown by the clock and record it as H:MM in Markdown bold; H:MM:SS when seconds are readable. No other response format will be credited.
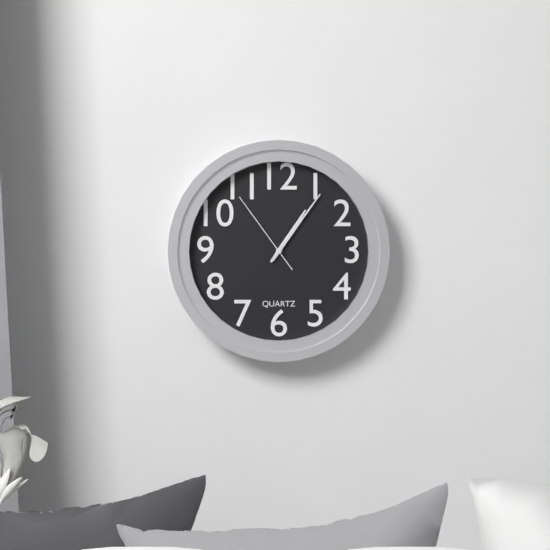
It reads **1:06:54**
